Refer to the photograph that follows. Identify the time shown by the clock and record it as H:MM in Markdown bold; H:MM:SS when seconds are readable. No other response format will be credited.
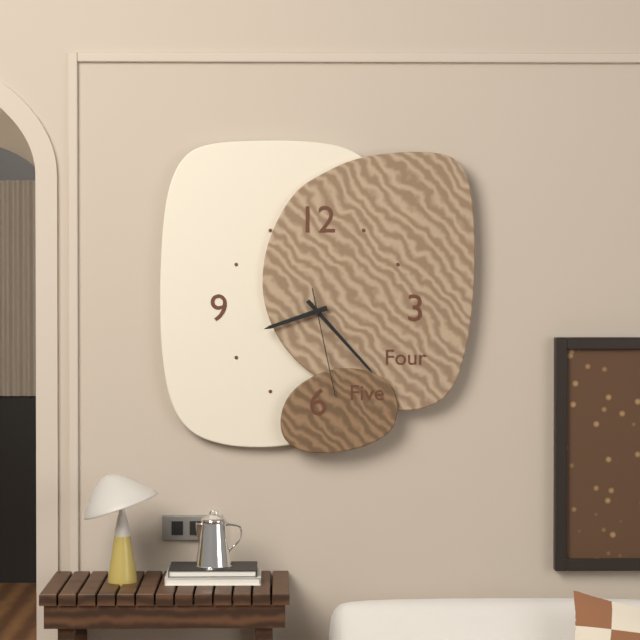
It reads **8:23:28**
